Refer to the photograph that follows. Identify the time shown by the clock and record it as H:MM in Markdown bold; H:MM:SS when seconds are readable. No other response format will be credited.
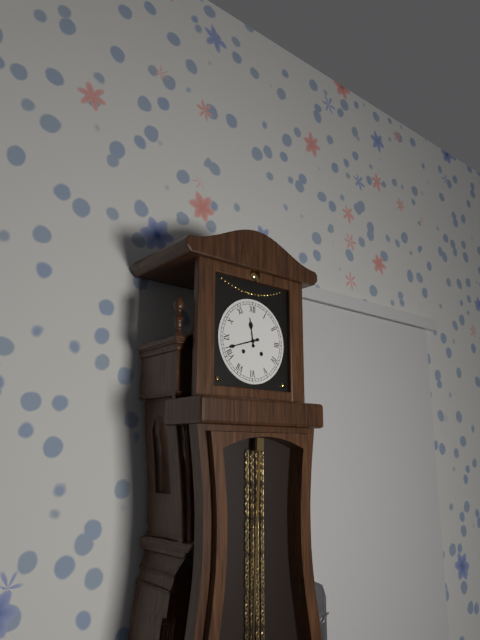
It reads **11:42**
